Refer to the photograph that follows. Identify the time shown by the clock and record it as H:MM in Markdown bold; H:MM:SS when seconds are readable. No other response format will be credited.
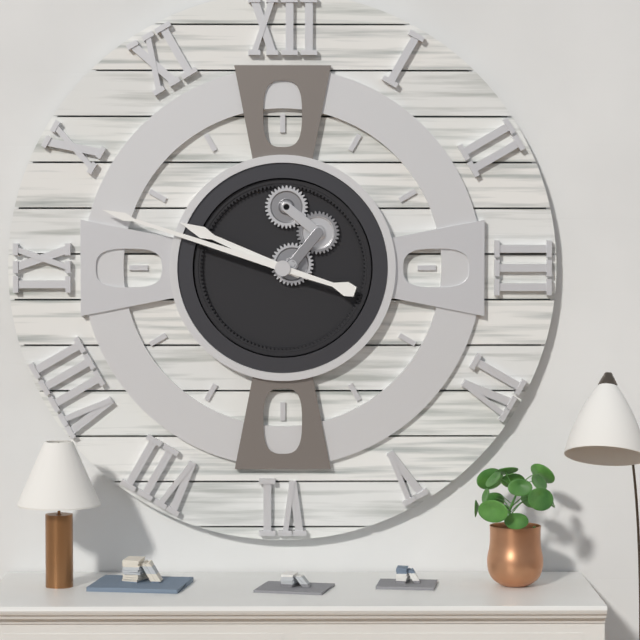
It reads **9:48**
